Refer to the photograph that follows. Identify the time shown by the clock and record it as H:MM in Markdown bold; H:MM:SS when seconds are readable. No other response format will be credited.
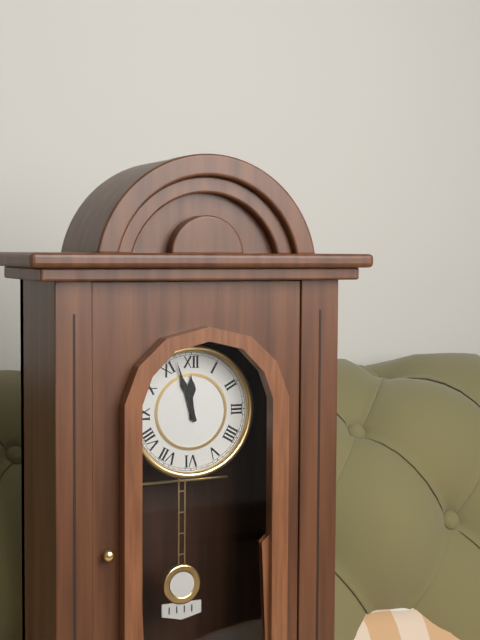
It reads **11:57**
